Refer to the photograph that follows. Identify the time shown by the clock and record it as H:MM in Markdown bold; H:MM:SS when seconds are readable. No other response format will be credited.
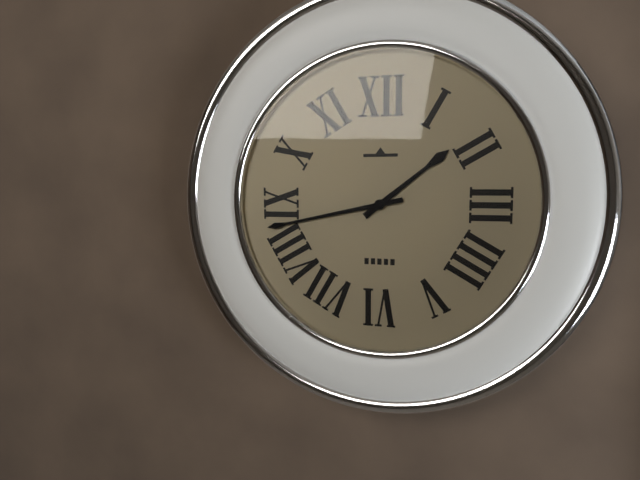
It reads **1:43**
